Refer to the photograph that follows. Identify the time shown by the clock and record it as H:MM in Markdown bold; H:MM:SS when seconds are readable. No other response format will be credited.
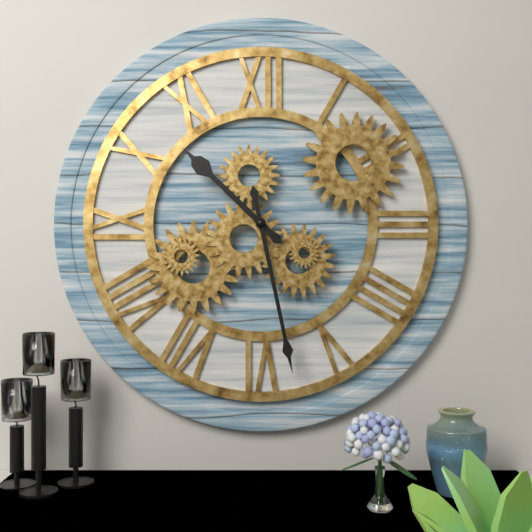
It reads **10:28**
